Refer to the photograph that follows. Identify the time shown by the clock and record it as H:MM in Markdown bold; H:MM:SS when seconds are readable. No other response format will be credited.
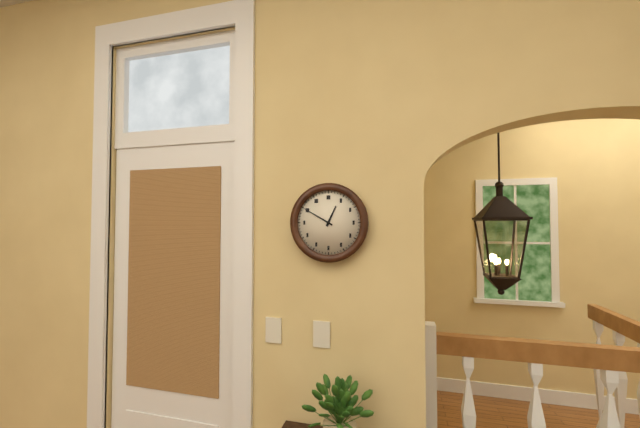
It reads **12:50**
